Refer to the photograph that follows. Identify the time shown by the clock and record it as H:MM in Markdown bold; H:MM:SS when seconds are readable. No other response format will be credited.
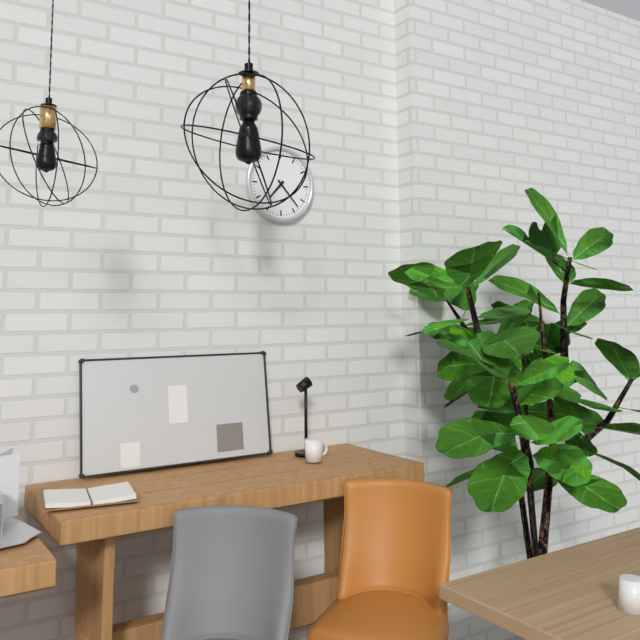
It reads **7:23**
